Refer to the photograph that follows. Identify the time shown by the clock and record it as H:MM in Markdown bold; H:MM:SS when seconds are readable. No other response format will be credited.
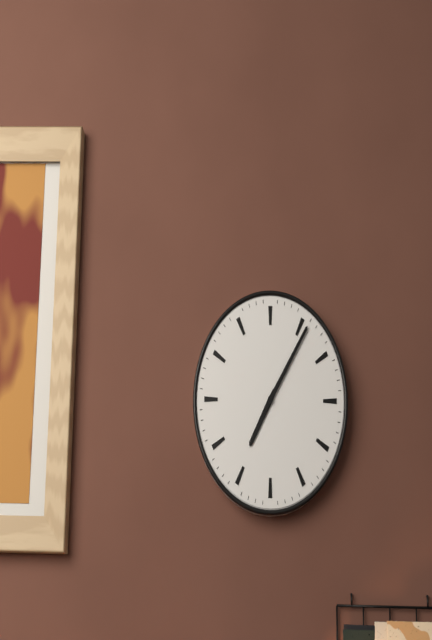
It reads **7:06**
